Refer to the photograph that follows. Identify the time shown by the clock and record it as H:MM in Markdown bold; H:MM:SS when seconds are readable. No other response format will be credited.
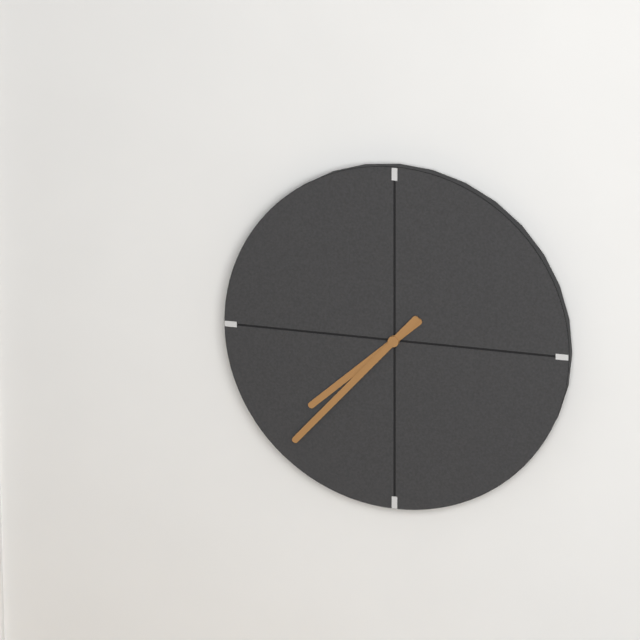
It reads **7:37**
